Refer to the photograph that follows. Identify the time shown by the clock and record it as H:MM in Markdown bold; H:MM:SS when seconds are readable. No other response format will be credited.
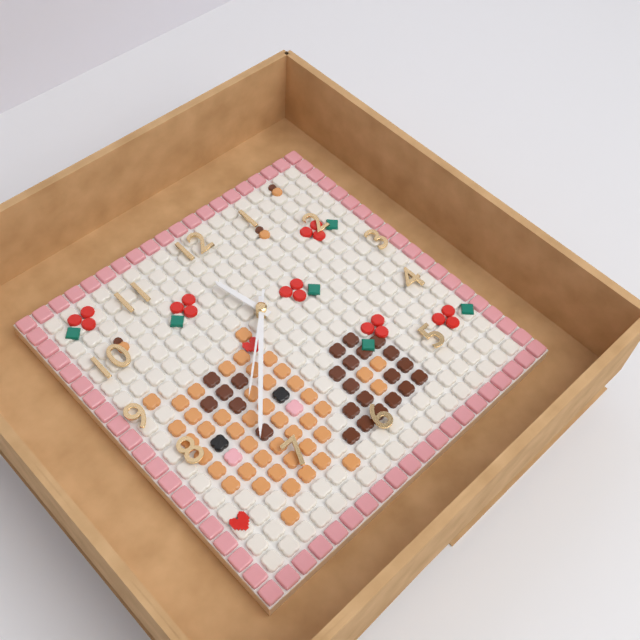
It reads **11:37:38**
